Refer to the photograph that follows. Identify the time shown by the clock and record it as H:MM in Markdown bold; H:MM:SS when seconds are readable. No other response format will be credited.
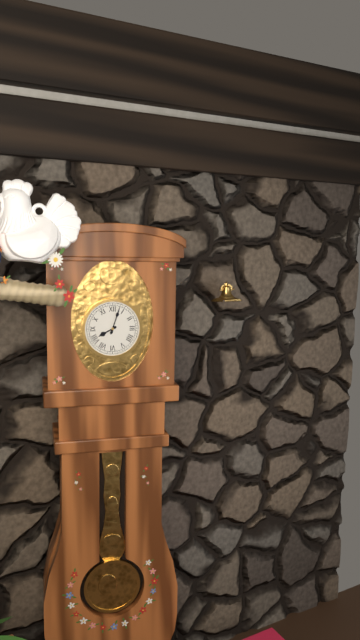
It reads **8:03**
